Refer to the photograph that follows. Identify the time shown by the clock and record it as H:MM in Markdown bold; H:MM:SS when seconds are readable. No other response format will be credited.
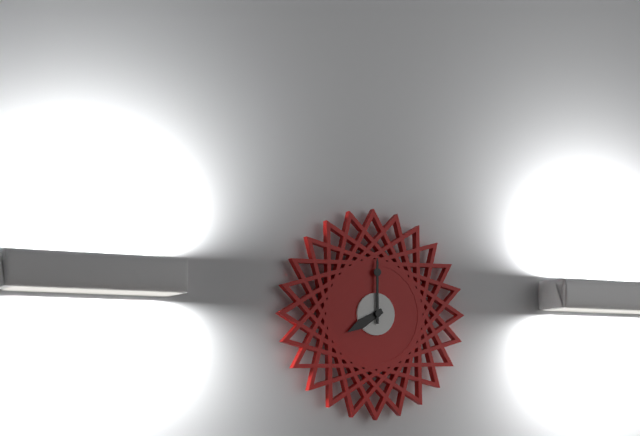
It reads **8:00**
